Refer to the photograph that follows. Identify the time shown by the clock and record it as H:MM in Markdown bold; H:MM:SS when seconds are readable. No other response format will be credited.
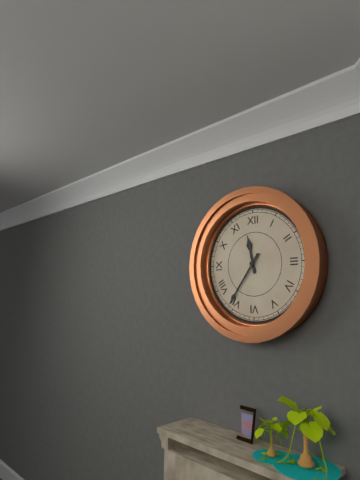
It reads **11:36**
